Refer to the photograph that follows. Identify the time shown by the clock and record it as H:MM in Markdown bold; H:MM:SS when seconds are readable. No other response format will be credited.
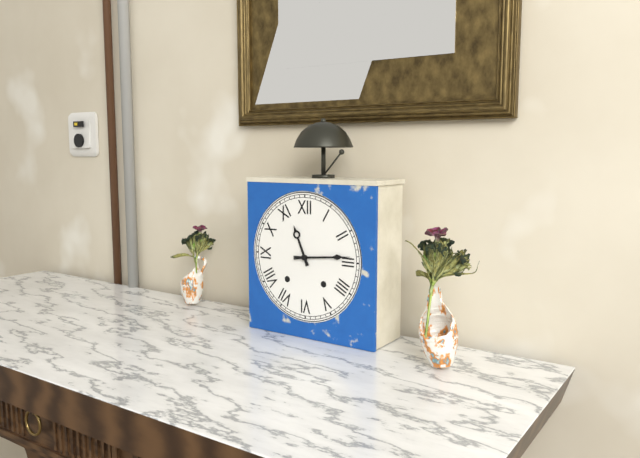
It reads **11:14**
